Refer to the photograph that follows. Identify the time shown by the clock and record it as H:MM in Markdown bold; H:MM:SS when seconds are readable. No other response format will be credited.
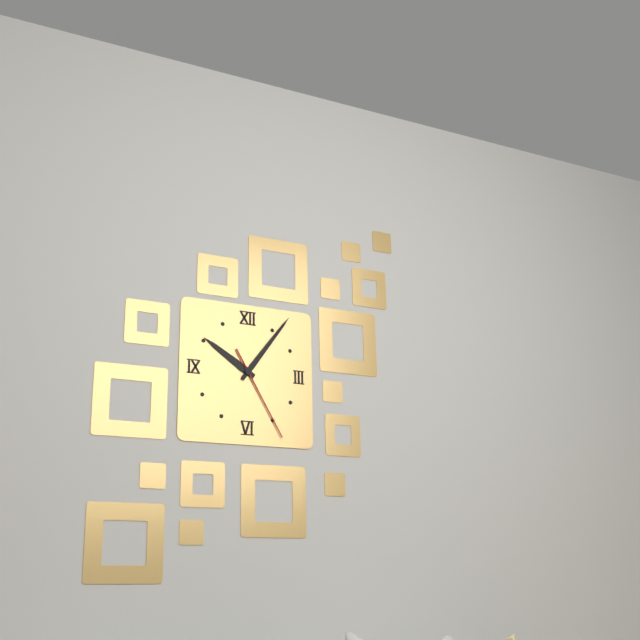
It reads **10:06:25**
